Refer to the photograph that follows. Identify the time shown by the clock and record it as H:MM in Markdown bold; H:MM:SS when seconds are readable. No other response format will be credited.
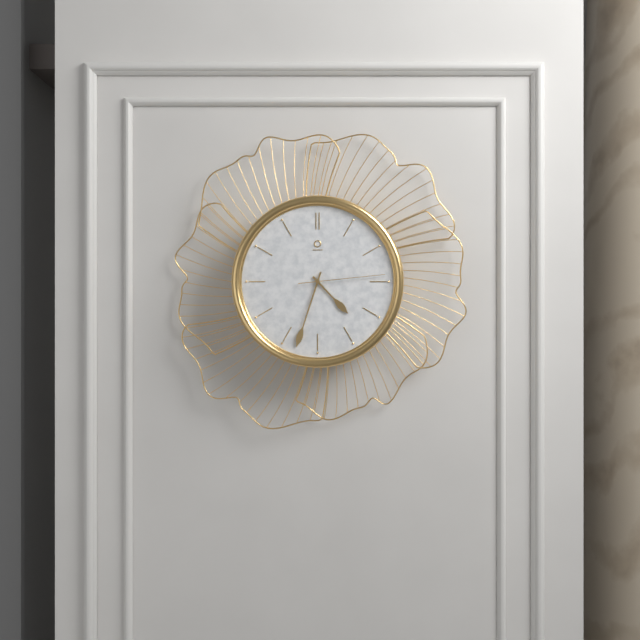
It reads **4:33:14**
